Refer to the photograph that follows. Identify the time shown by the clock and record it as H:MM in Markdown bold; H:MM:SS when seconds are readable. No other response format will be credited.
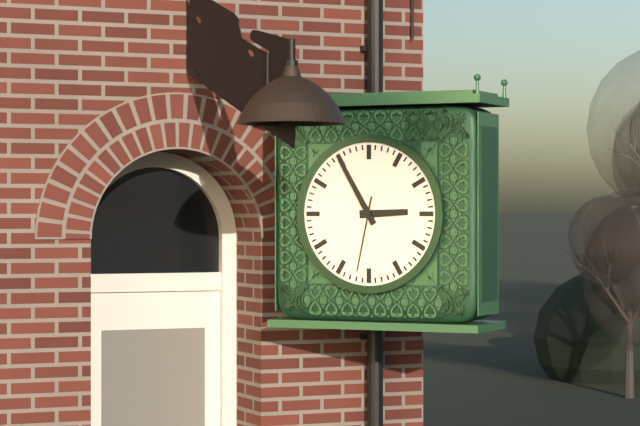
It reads **2:55:32**
